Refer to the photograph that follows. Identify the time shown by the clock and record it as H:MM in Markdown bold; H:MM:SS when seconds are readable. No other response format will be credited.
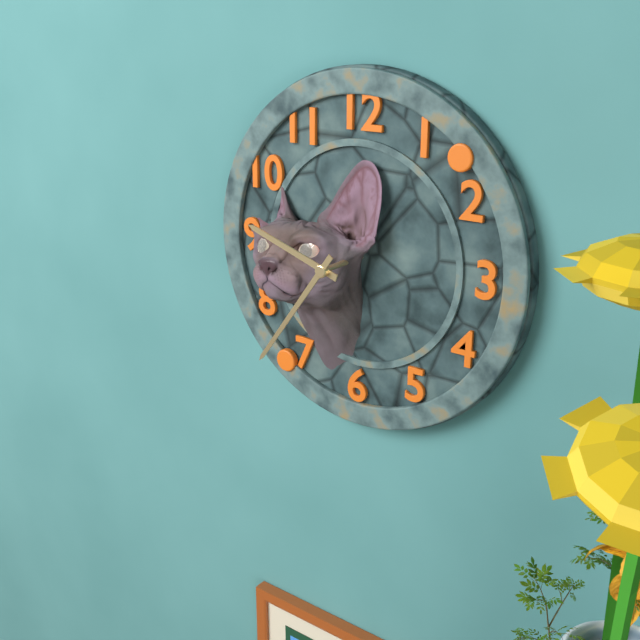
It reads **9:36**
